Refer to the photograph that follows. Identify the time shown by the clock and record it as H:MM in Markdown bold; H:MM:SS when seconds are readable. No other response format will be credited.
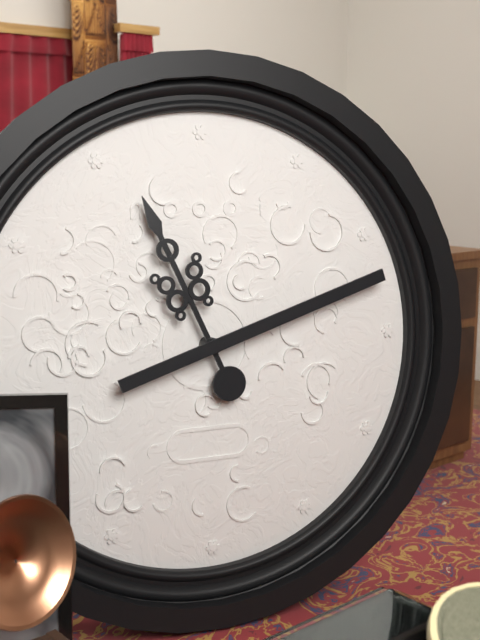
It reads **11:12**
